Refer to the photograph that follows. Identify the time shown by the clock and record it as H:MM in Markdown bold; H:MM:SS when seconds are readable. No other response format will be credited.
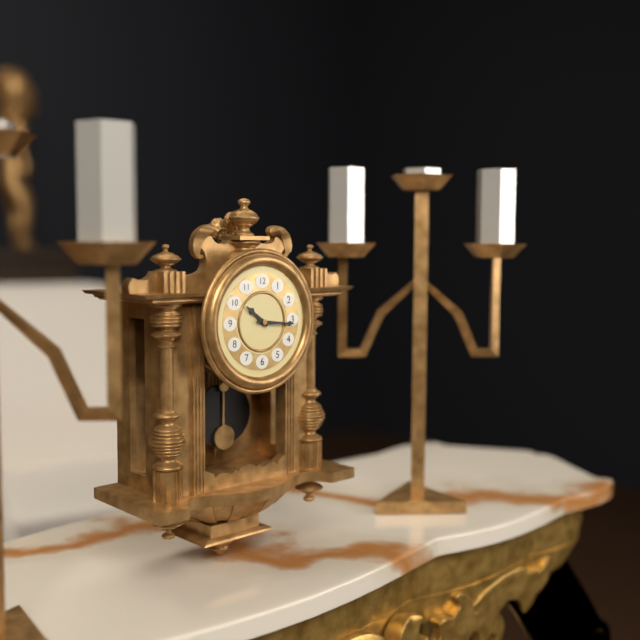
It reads **10:16**
